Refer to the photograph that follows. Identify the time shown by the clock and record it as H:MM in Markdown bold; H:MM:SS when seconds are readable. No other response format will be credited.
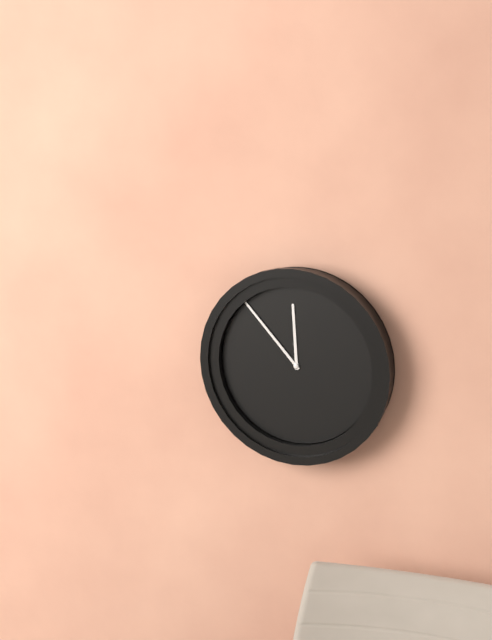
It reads **11:53**
